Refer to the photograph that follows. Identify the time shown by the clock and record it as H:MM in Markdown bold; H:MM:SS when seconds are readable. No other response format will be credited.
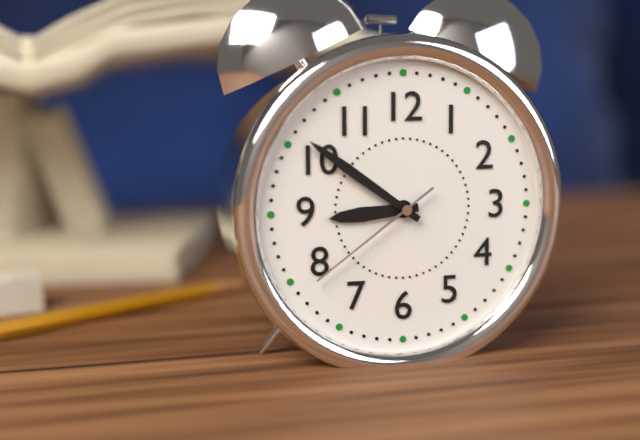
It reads **8:51:39**
